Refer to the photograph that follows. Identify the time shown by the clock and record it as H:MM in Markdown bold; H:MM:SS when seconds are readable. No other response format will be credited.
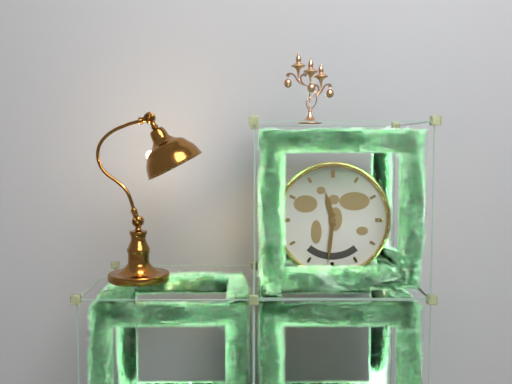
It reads **11:31**
